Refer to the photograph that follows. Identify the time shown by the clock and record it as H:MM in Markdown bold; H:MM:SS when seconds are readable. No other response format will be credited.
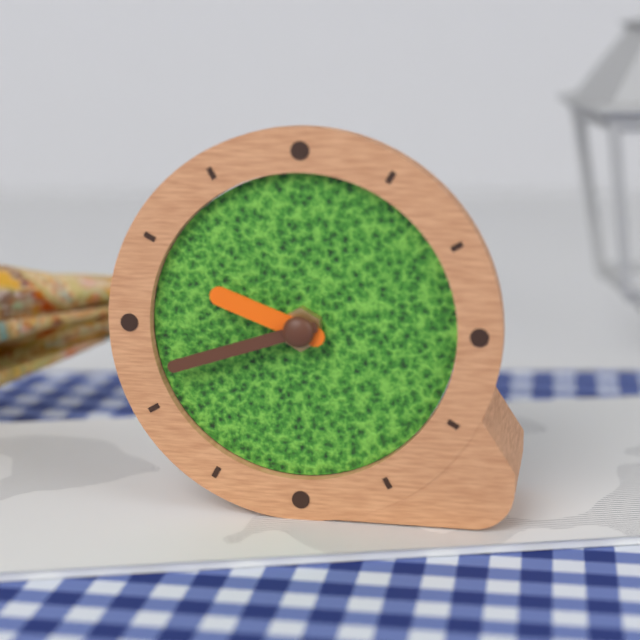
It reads **9:42**
